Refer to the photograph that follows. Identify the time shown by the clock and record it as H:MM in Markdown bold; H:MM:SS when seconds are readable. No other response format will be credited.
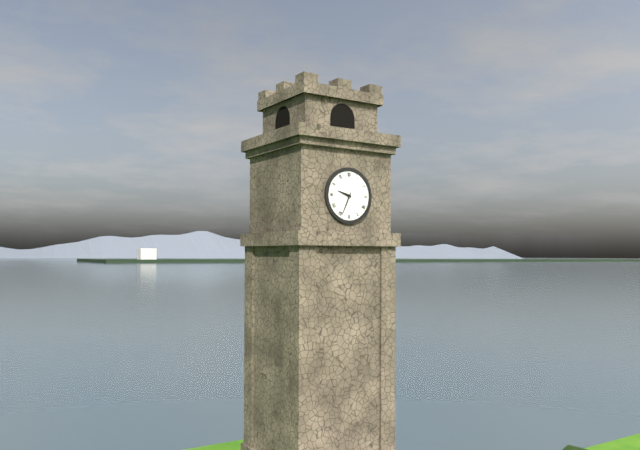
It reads **9:34**
